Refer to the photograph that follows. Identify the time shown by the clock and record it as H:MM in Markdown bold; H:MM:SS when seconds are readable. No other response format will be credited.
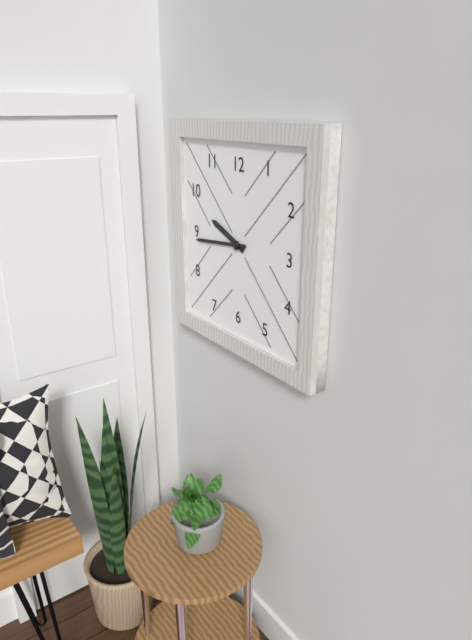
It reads **9:44**
